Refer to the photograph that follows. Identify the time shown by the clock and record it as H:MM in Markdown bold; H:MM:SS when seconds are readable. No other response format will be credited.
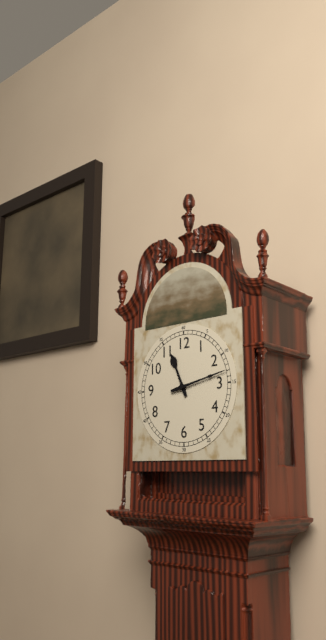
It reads **11:13**
